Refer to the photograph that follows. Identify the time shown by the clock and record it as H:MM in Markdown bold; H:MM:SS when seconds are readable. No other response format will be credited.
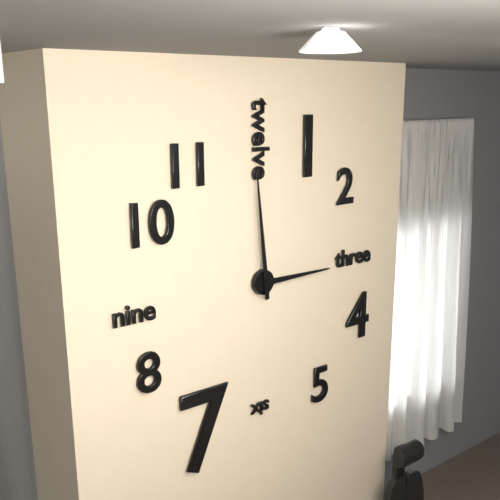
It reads **2:59**
